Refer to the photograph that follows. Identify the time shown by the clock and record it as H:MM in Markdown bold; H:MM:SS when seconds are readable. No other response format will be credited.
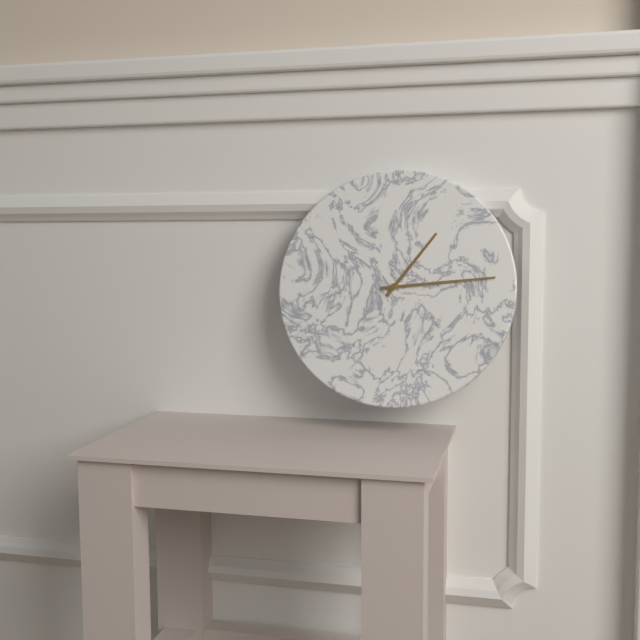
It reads **1:14**
